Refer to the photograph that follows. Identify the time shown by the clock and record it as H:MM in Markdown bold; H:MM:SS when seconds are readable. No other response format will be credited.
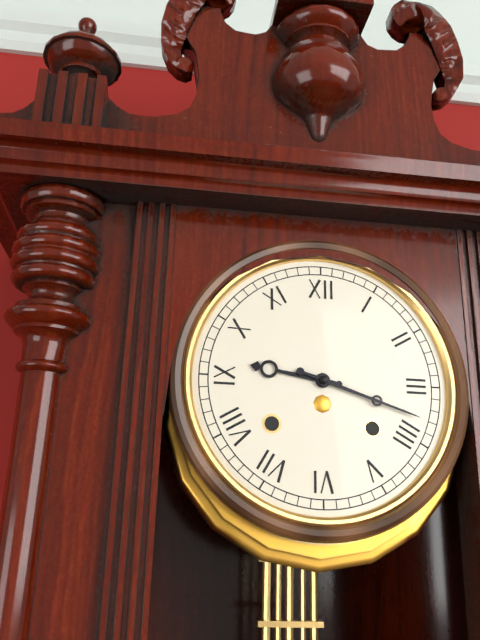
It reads **9:18**
